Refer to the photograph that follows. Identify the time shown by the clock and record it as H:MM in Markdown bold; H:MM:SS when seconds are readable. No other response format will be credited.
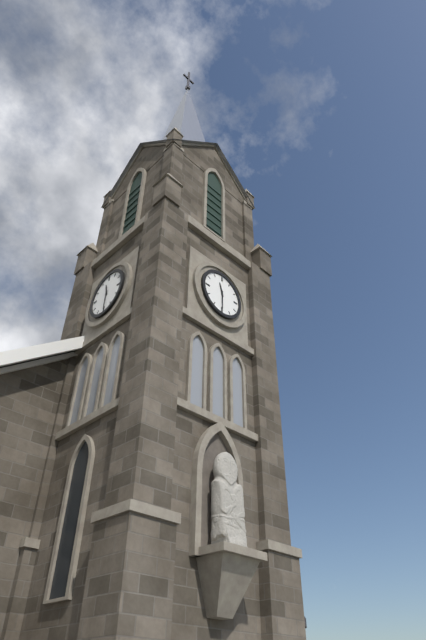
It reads **11:30**
